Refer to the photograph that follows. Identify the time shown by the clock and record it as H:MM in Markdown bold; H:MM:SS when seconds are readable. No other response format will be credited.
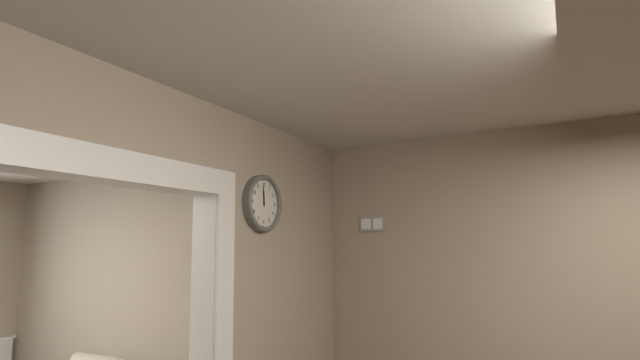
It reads **11:59**
